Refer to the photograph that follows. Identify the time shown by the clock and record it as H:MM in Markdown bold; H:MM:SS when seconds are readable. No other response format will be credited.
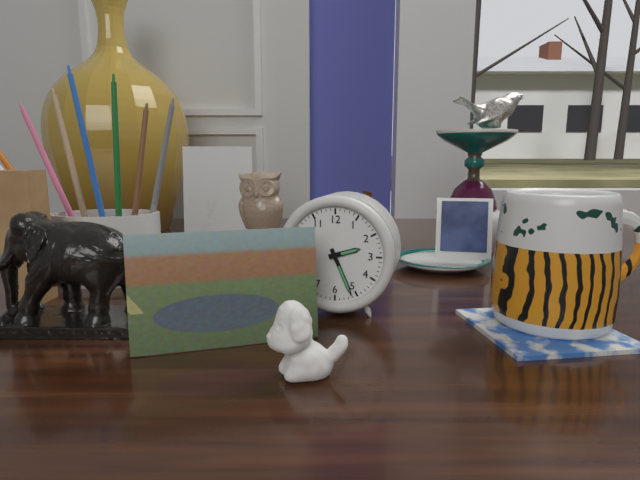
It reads **2:26**
